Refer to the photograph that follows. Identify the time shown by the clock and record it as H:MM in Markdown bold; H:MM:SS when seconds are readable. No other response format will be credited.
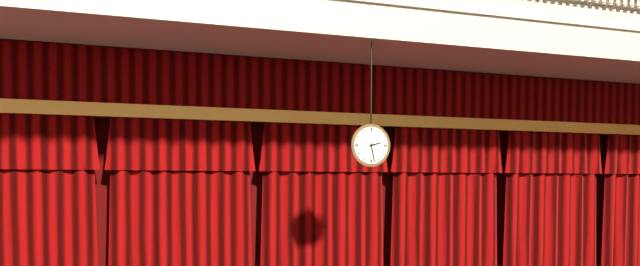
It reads **2:28**
